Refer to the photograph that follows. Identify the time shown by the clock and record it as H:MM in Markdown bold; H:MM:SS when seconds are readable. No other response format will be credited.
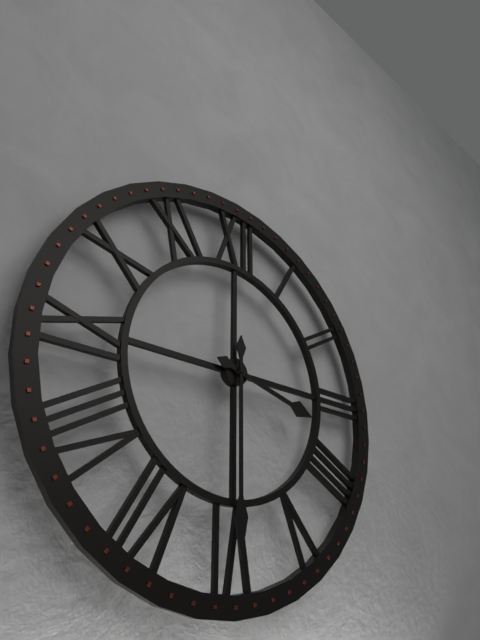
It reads **3:30**
